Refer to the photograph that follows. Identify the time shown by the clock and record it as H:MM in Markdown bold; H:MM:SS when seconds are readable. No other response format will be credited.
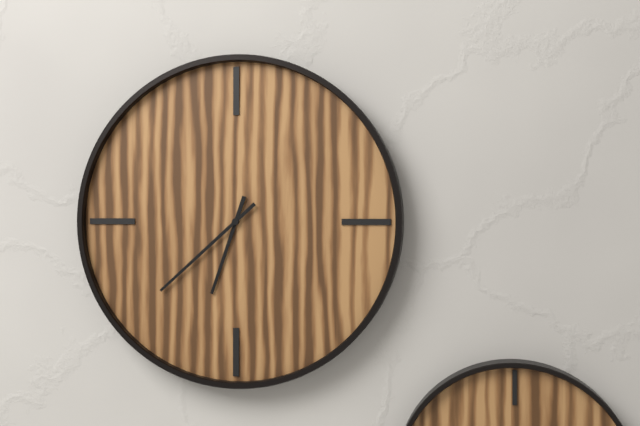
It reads **6:38**
